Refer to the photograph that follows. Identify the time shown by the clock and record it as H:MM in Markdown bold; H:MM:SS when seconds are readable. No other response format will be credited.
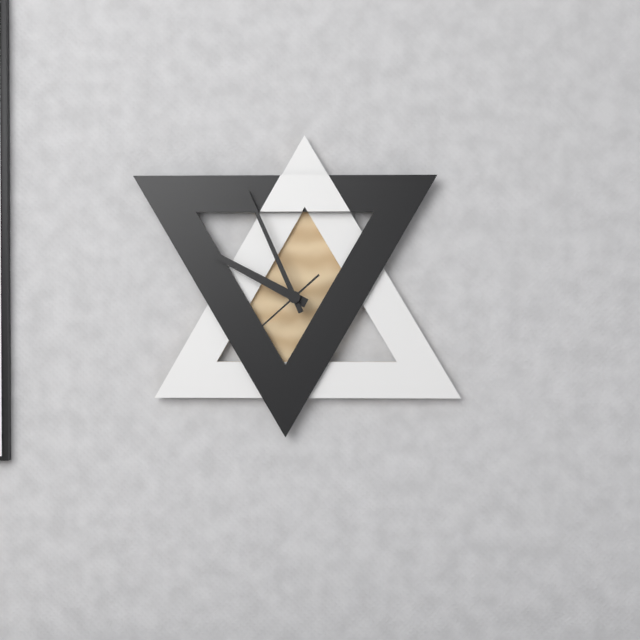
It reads **9:56:38**
